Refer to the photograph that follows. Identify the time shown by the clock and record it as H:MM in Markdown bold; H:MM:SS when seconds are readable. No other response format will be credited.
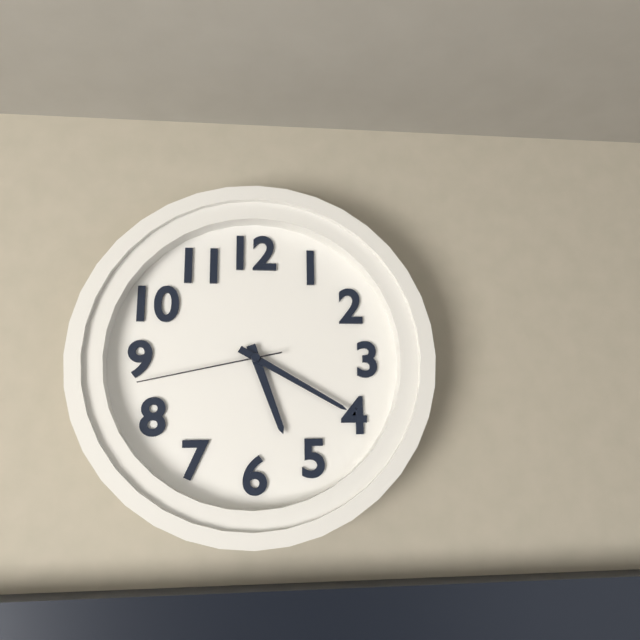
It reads **5:20:43**
